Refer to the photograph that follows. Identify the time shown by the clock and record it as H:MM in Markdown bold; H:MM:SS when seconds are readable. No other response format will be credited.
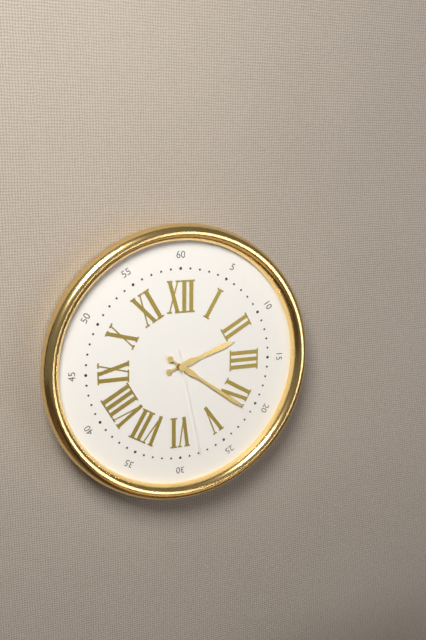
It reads **2:21:28**
